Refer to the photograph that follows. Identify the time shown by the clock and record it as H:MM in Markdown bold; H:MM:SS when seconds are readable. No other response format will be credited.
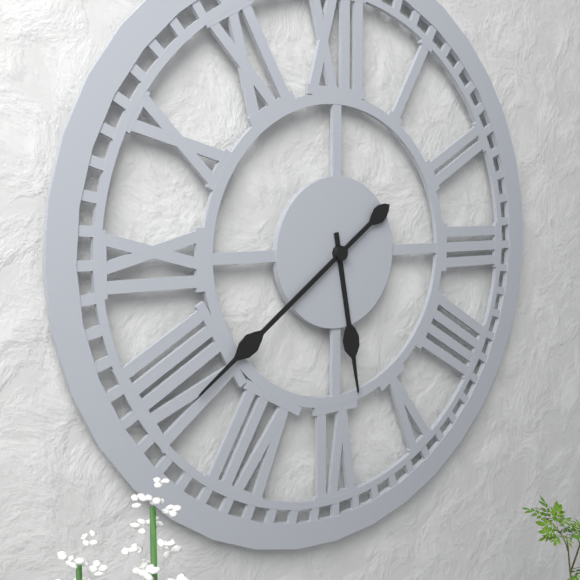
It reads **5:39**
